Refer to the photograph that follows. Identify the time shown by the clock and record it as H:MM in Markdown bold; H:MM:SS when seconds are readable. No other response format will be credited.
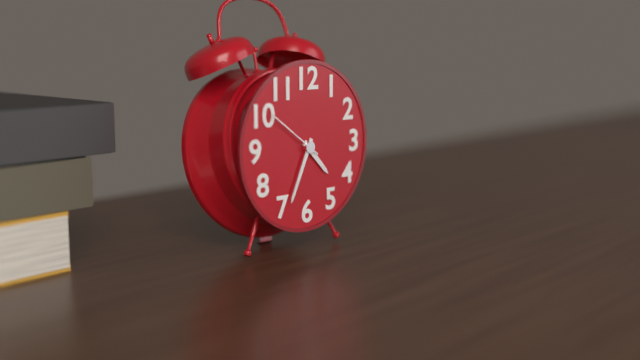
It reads **4:34:51**
